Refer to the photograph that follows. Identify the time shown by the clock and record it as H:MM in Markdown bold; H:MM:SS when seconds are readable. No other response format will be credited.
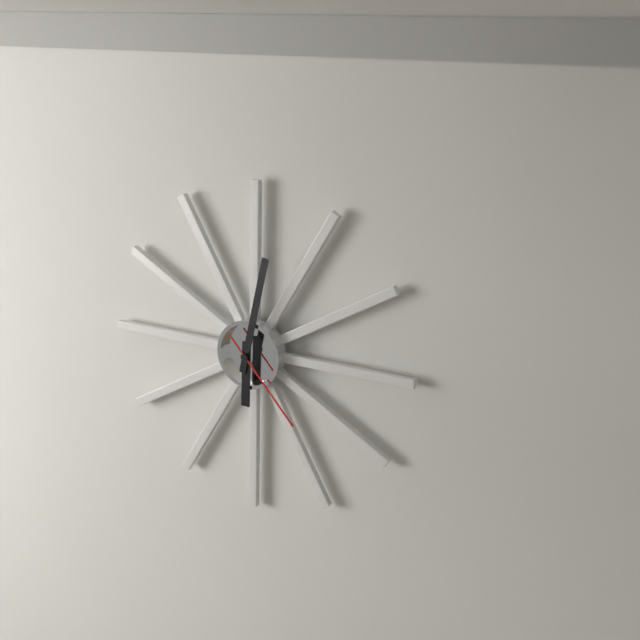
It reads **6:02:23**
